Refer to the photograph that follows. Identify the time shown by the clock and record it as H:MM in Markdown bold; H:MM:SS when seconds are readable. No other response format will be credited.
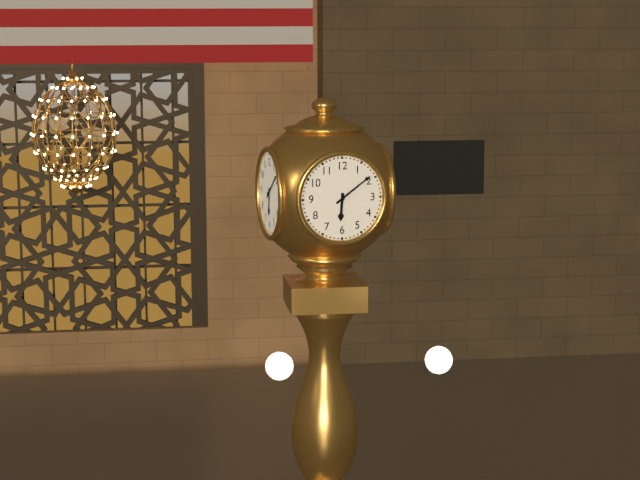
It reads **6:09**
